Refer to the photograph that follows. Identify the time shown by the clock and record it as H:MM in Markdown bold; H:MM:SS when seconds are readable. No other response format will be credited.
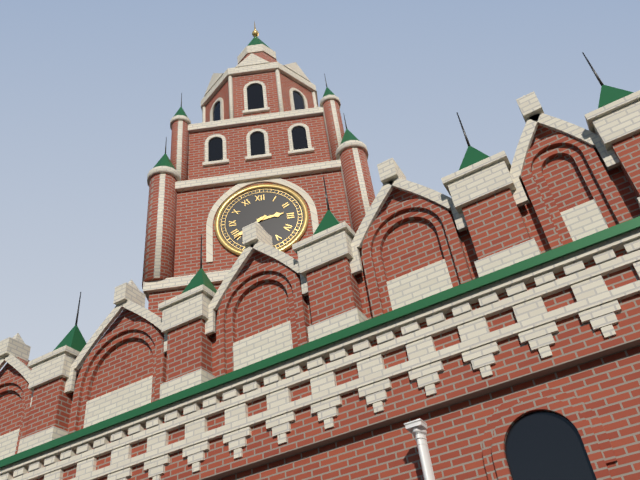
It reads **2:39**
